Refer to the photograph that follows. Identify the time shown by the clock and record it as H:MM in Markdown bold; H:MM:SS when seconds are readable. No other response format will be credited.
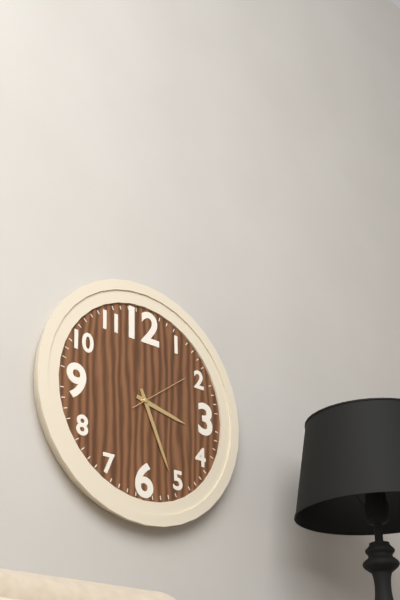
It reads **3:26:09**
